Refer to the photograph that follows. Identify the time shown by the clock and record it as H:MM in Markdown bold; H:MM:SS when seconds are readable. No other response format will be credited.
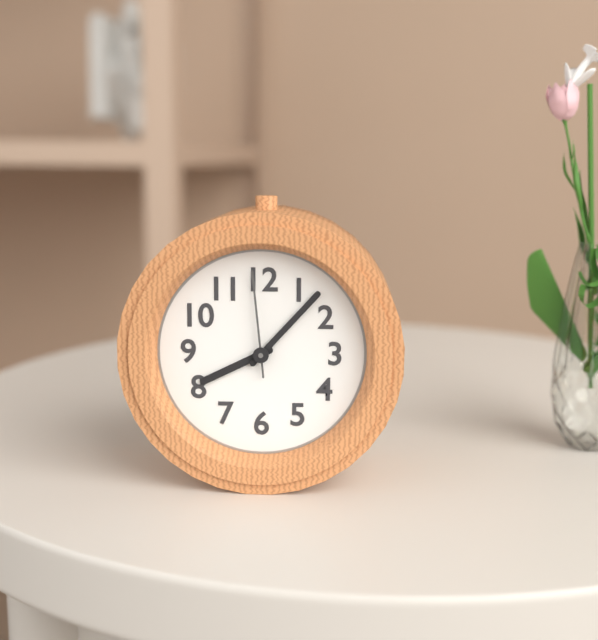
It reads **8:07:59**
